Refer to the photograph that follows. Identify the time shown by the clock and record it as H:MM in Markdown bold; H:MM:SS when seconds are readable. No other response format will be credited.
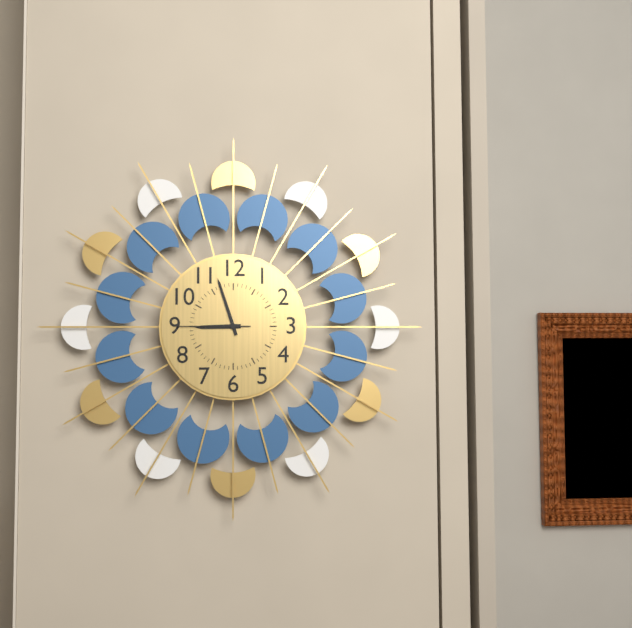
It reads **8:57:45**
